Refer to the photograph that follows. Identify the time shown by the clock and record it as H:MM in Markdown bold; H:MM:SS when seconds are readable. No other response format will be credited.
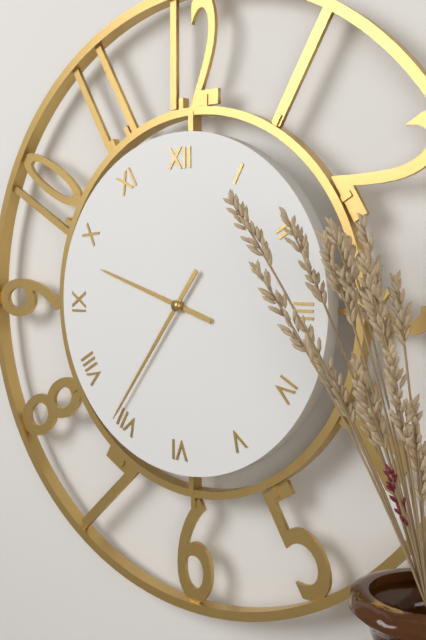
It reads **9:36**
